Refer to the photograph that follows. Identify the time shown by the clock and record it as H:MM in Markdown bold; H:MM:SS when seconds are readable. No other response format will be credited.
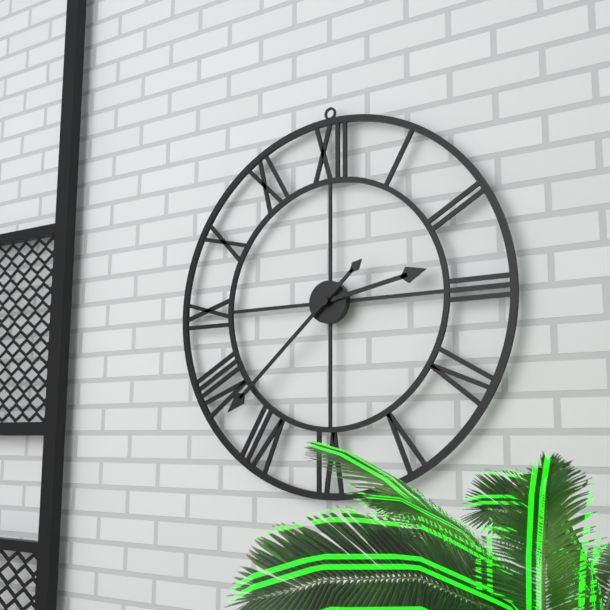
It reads **2:38**
